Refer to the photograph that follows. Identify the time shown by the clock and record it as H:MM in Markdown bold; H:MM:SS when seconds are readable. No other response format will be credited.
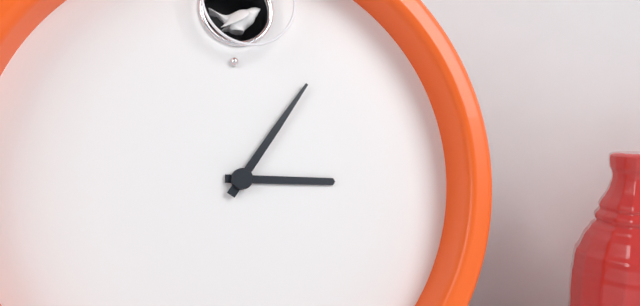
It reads **3:06**
